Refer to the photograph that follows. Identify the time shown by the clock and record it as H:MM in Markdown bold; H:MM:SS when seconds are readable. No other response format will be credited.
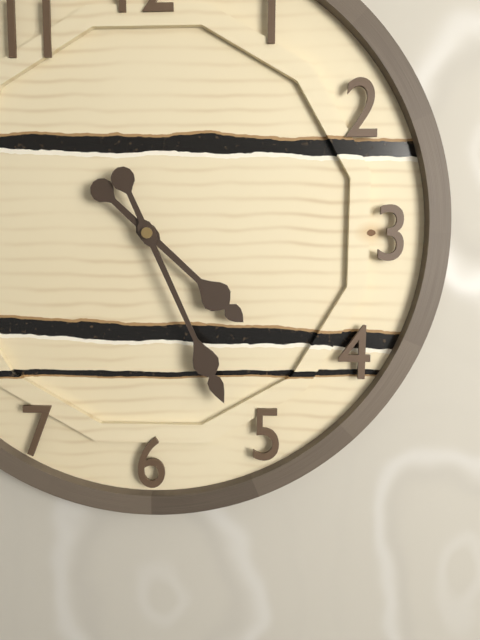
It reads **4:26**
